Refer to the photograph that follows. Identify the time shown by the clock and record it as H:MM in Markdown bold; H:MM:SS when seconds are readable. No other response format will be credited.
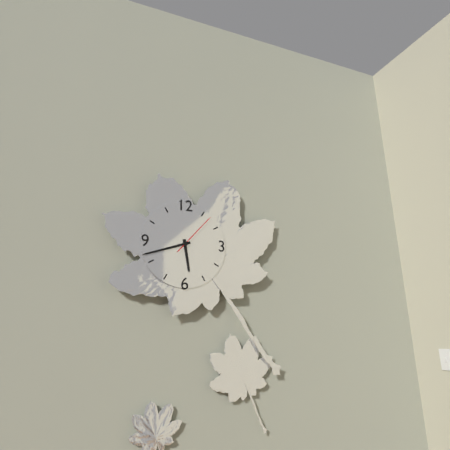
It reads **5:42**
